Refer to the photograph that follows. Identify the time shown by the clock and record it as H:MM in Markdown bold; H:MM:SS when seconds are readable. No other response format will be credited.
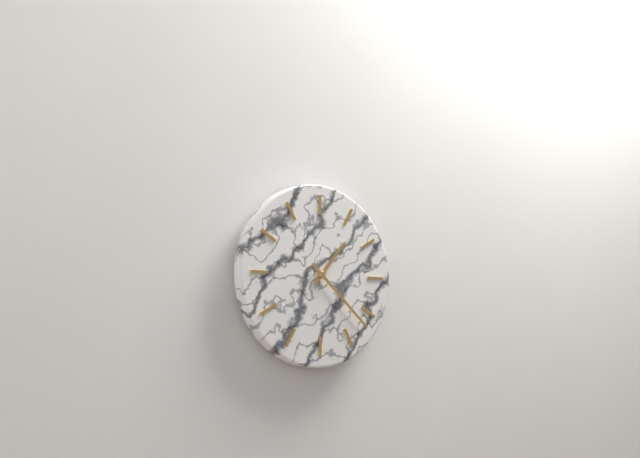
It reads **1:22**
